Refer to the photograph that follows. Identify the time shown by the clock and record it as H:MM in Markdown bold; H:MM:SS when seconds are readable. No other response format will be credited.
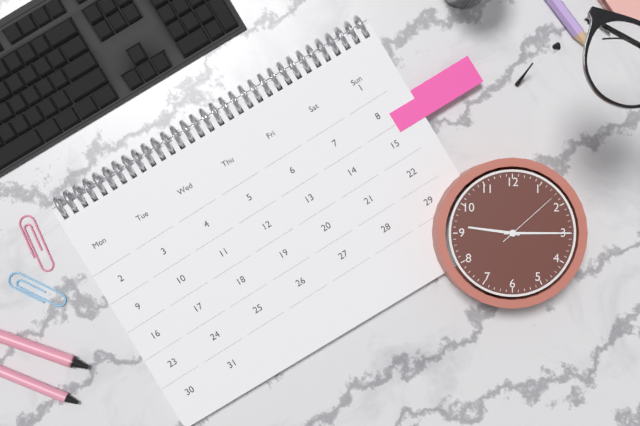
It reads **9:15:08**
